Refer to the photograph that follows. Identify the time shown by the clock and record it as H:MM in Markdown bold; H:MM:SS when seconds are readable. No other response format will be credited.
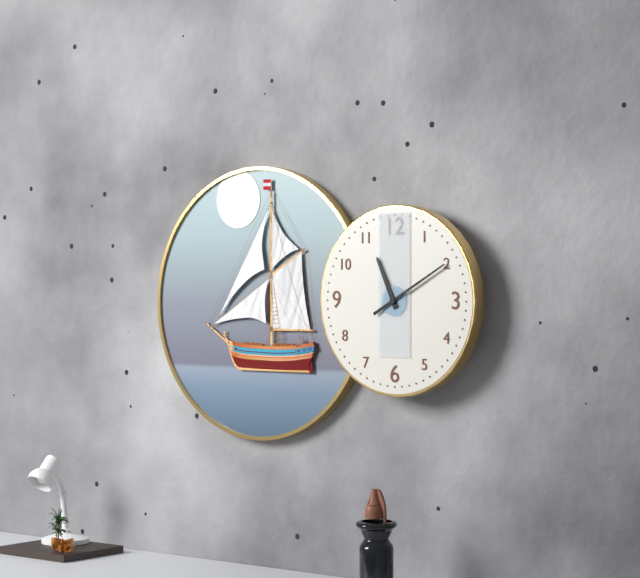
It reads **11:10**
